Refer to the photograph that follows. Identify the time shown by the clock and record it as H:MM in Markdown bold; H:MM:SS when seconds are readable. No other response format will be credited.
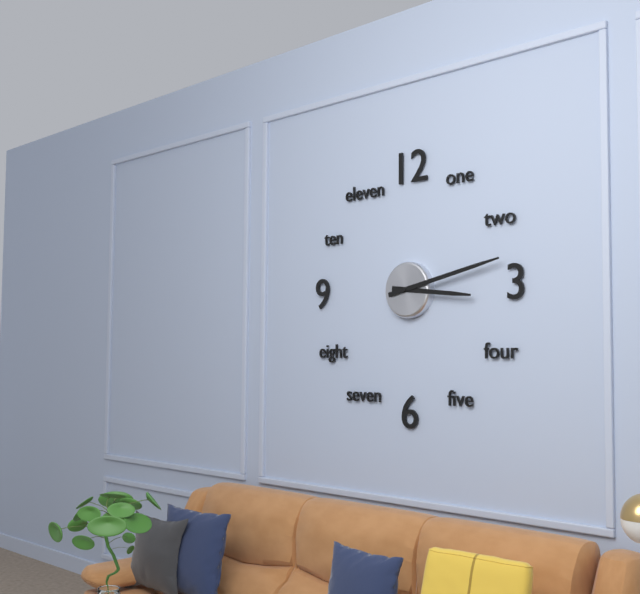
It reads **3:13**
